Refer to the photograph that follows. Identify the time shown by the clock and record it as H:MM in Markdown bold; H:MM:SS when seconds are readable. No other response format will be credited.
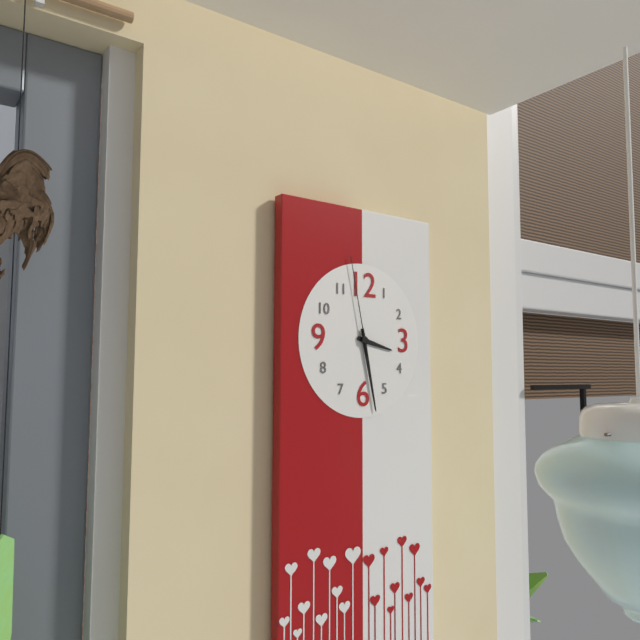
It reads **3:28:58**
